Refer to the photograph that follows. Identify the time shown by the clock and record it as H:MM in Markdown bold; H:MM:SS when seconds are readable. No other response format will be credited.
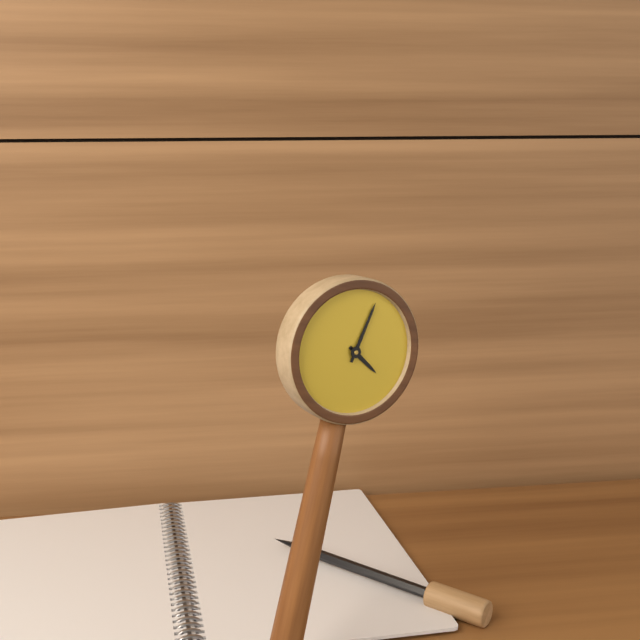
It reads **4:02**
